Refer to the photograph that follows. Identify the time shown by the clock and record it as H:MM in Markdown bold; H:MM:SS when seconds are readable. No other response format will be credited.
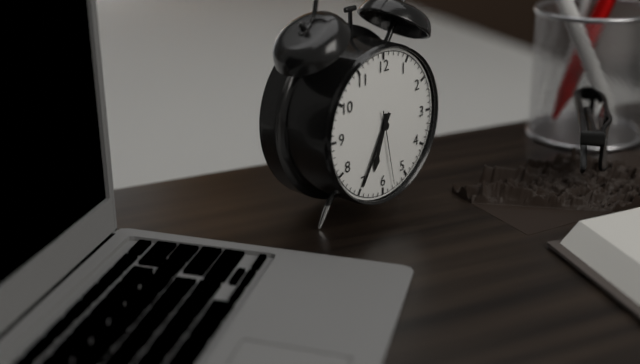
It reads **6:35:28**
